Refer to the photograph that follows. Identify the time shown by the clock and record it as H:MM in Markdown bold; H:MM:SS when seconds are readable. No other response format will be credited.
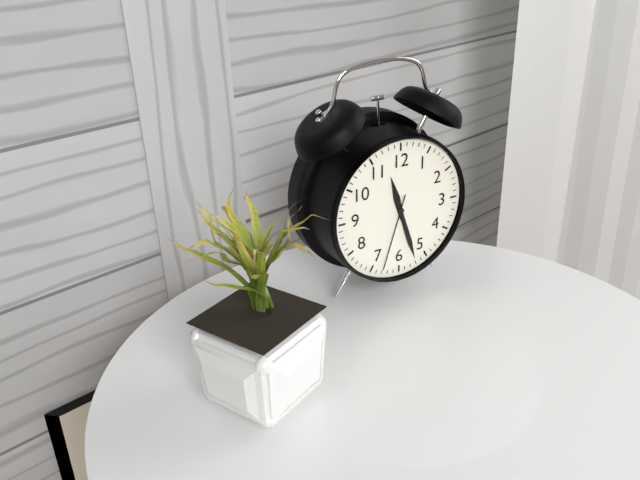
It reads **11:27:33**
